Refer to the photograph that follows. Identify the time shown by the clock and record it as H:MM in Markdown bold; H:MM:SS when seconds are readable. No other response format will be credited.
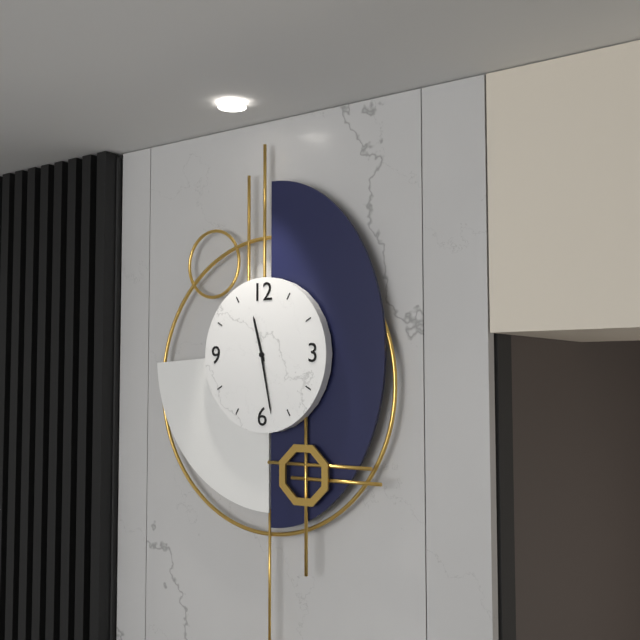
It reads **11:28**
